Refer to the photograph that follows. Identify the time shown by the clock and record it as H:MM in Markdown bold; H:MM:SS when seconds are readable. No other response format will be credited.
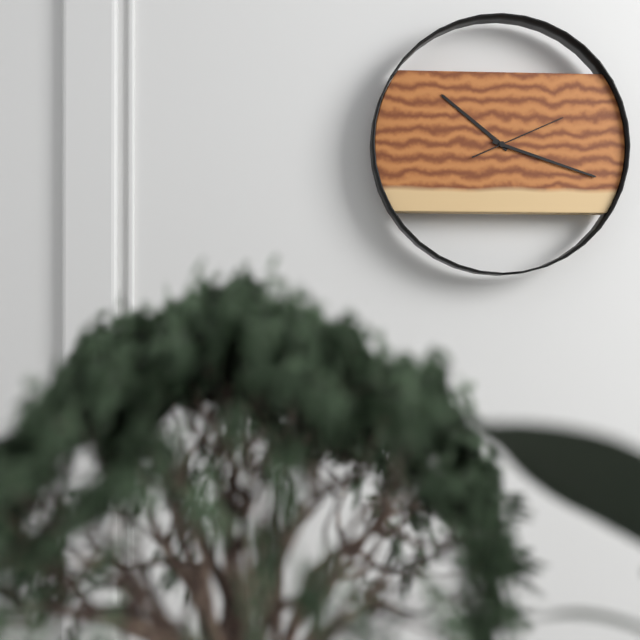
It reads **10:18:11**
